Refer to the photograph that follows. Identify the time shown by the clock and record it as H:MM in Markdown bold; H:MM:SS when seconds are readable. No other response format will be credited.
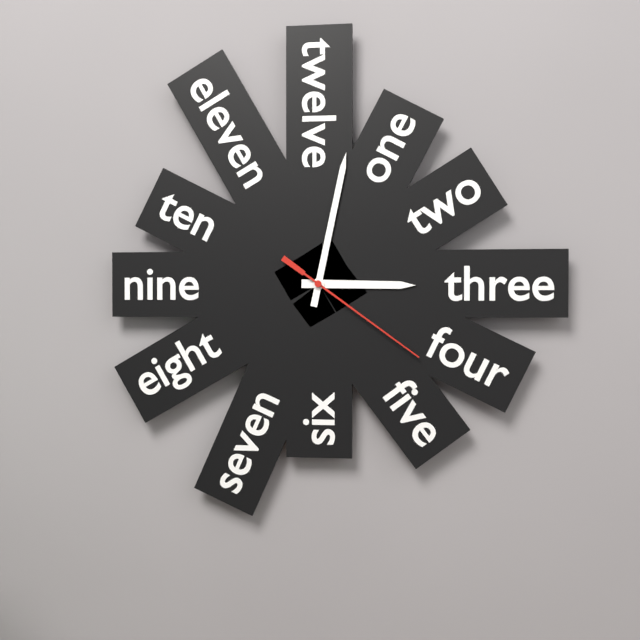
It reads **3:02:21**
